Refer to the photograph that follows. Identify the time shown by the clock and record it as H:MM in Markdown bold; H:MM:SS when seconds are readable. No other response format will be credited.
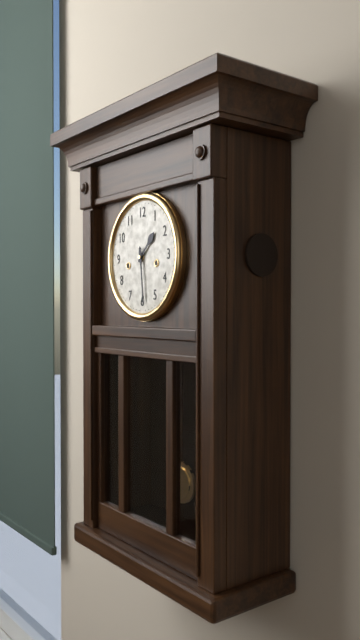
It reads **1:29**
